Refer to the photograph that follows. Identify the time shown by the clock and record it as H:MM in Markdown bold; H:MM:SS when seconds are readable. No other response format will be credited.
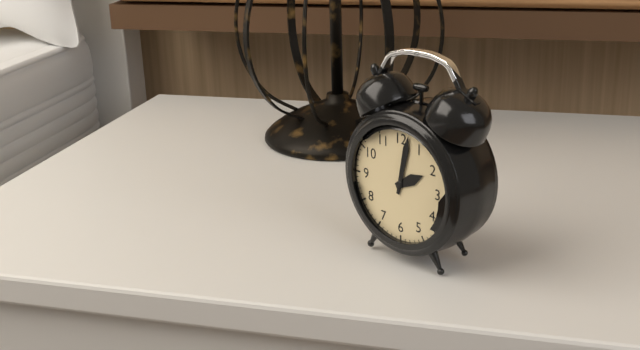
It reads **2:02**
